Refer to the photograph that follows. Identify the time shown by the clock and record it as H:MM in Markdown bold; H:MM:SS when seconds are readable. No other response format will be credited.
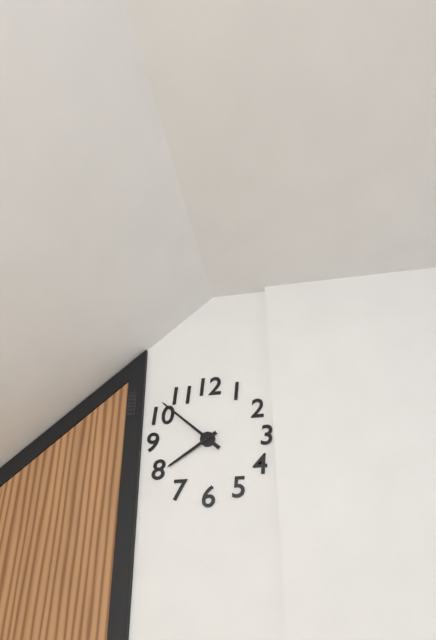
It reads **7:52**
